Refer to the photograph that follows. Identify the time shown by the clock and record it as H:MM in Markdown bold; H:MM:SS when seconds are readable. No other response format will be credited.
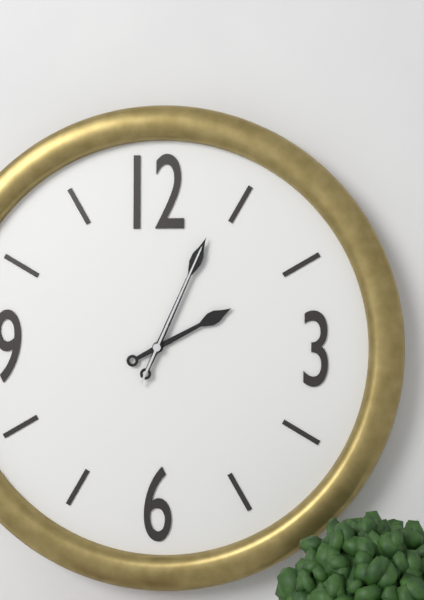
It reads **2:04:04**
